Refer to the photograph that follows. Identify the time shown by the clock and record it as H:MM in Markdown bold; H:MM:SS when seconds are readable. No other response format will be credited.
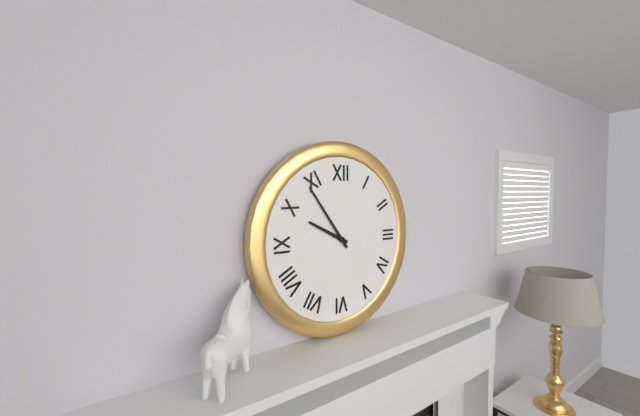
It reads **9:54**
